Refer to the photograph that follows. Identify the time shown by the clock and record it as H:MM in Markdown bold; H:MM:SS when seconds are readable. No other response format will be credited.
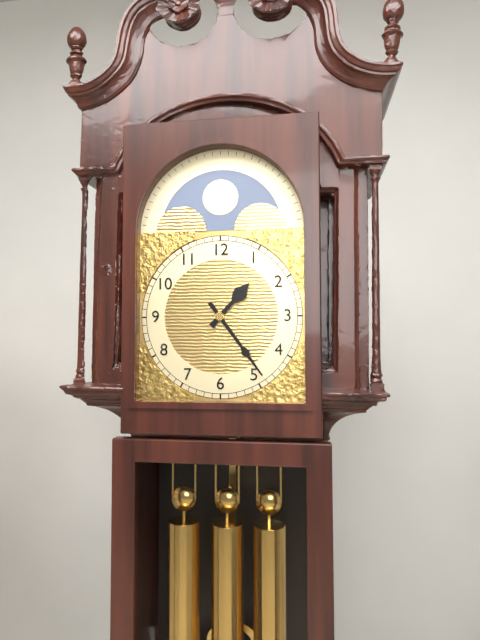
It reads **1:24**
